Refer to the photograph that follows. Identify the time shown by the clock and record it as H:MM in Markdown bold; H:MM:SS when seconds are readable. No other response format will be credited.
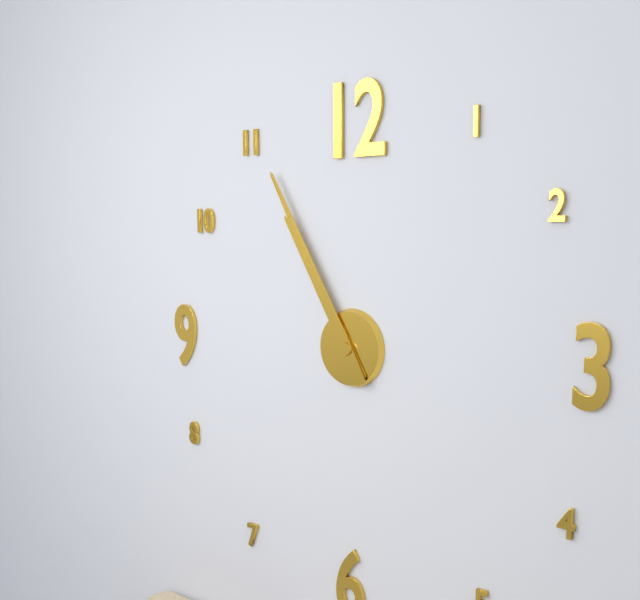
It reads **10:55**
